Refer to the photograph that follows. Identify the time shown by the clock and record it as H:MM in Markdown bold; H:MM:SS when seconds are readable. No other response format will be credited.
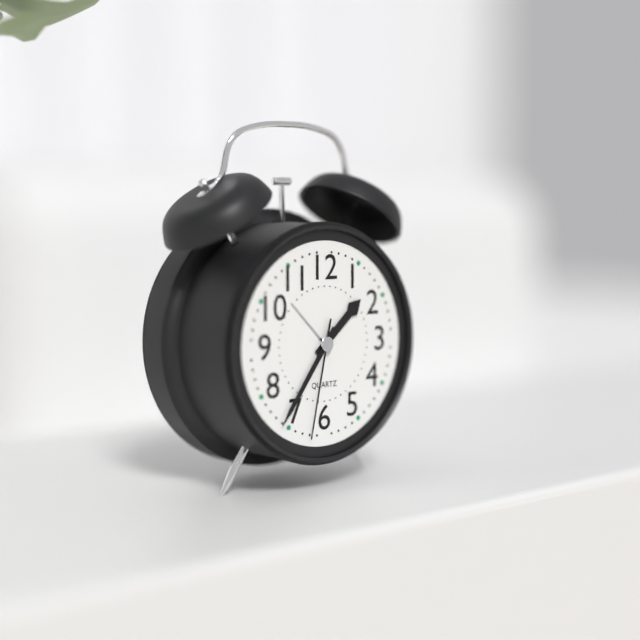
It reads **1:36:32**
